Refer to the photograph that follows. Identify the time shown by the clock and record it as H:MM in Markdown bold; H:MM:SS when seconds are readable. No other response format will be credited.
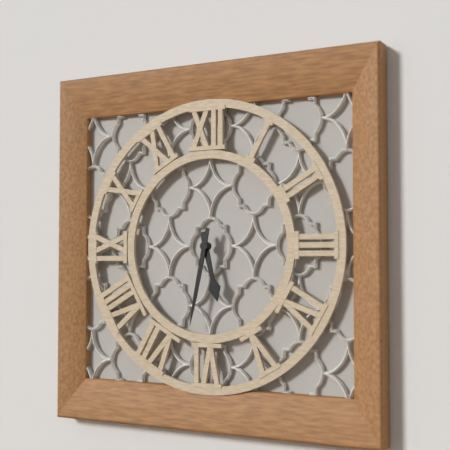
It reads **5:32**
